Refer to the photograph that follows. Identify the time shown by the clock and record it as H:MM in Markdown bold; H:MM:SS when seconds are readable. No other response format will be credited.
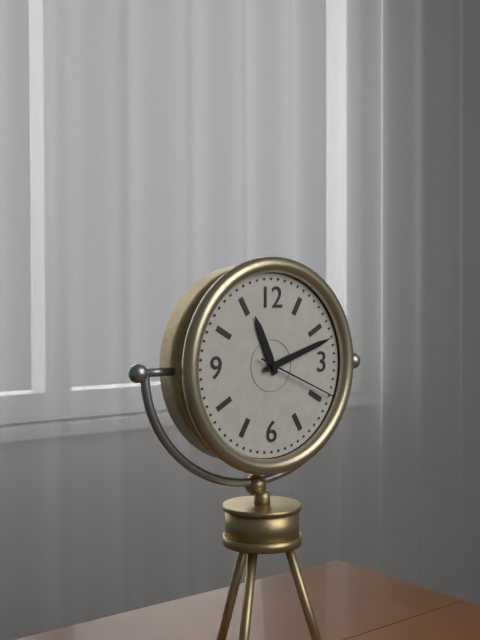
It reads **11:12:19**
